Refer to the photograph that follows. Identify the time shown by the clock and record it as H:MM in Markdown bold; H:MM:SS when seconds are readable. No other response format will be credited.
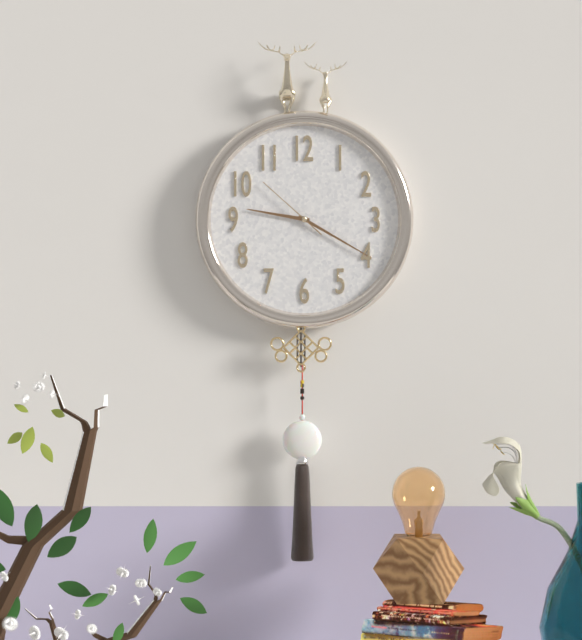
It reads **9:20:52**
